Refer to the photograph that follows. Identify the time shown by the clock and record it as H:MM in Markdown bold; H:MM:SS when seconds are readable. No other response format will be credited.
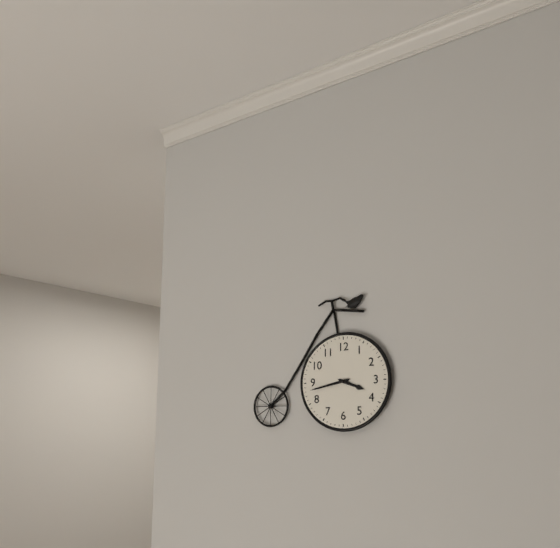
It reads **3:43**
